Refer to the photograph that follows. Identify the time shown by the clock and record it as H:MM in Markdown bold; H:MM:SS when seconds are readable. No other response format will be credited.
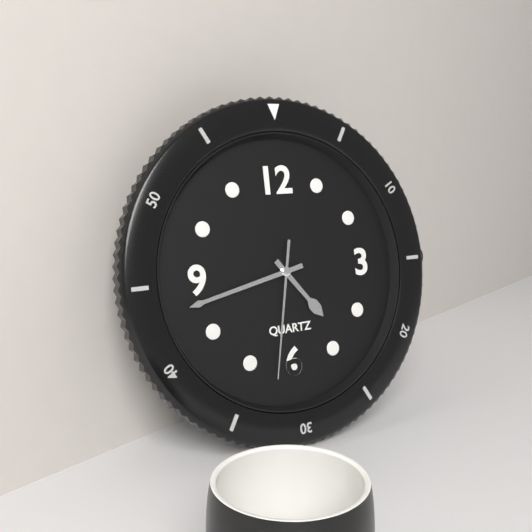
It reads **4:43:32**
